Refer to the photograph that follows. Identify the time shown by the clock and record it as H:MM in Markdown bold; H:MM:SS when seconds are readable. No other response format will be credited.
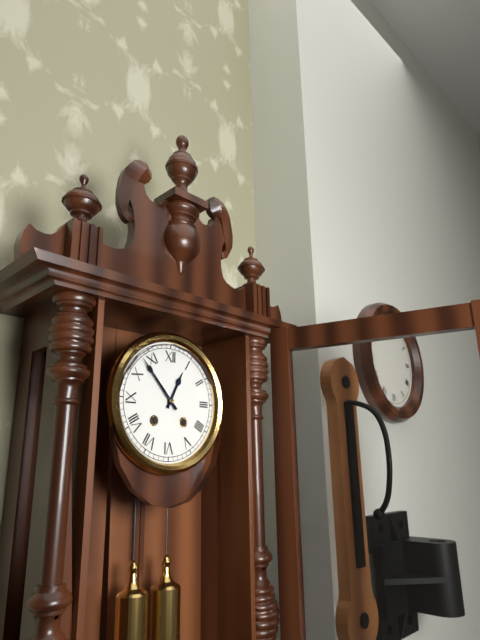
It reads **12:53**
